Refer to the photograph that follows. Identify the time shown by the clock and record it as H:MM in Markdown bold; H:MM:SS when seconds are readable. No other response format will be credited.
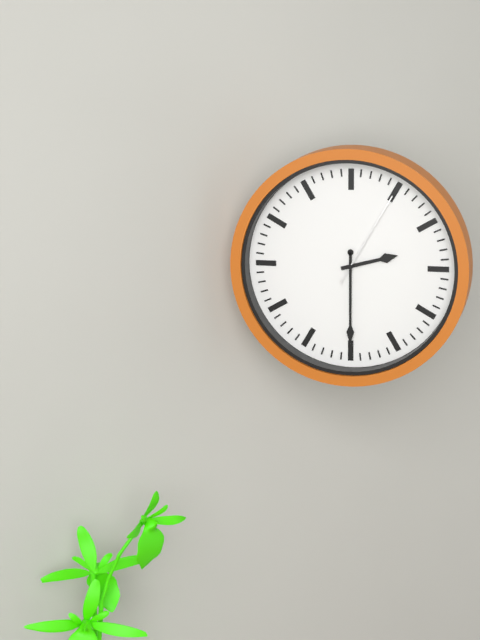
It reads **2:30:05**
